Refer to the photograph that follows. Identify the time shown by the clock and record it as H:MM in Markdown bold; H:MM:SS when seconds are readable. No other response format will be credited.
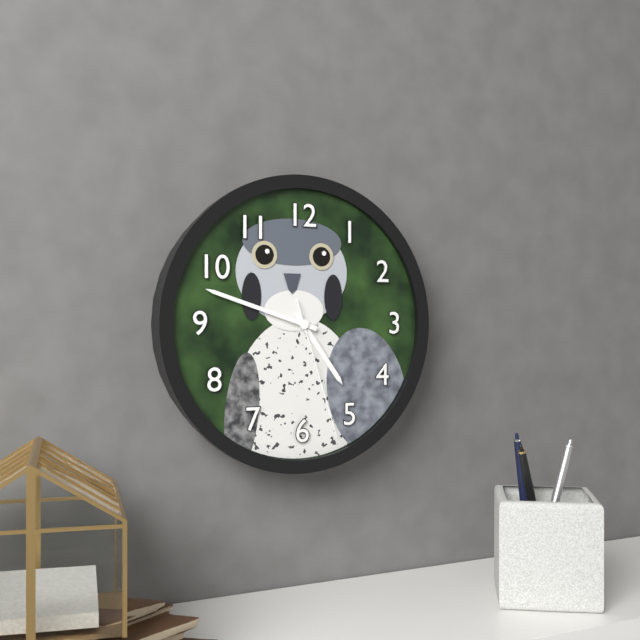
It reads **4:48:27**
